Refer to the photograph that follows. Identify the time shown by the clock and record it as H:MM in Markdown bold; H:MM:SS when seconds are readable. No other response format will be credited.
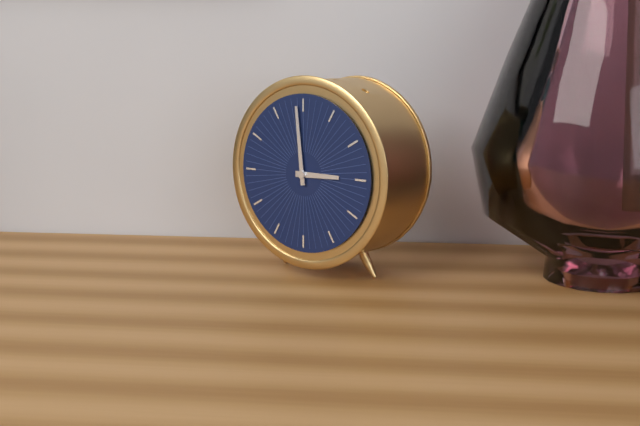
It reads **2:59**
